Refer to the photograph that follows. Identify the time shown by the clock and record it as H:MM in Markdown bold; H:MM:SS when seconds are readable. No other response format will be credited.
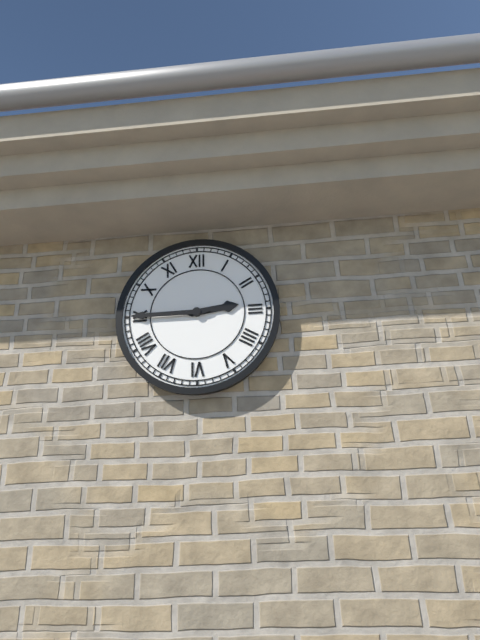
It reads **2:45**
